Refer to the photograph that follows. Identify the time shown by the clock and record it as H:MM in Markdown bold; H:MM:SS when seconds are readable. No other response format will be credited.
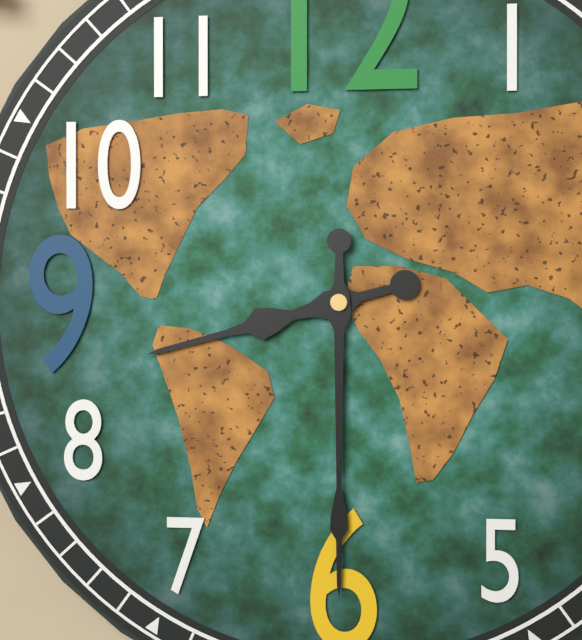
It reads **8:30**
